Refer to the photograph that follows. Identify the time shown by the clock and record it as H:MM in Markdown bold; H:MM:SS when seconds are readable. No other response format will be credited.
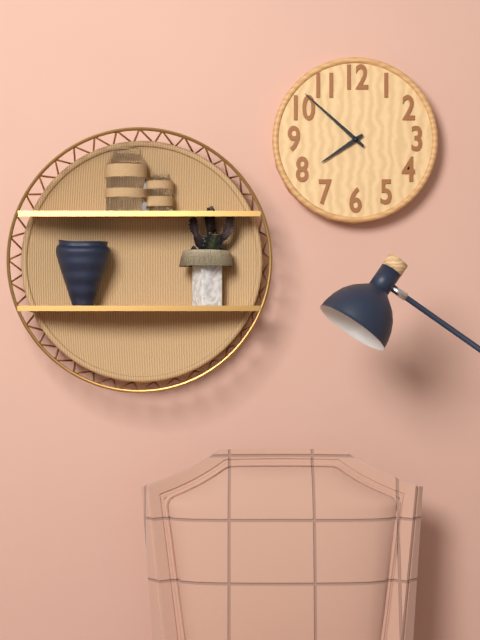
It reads **7:52**
